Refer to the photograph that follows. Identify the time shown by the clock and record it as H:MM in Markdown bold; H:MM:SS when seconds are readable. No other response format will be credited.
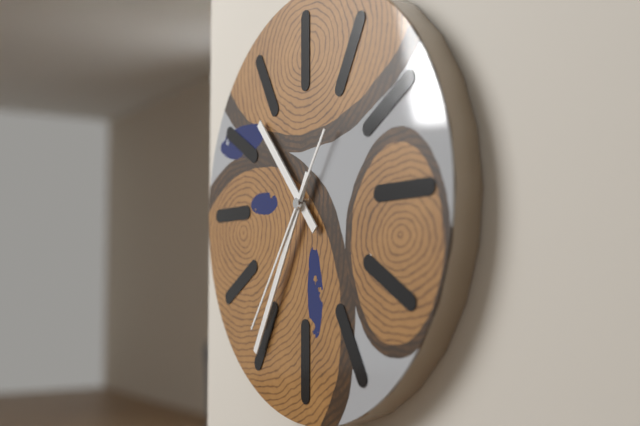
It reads **10:35:36**
